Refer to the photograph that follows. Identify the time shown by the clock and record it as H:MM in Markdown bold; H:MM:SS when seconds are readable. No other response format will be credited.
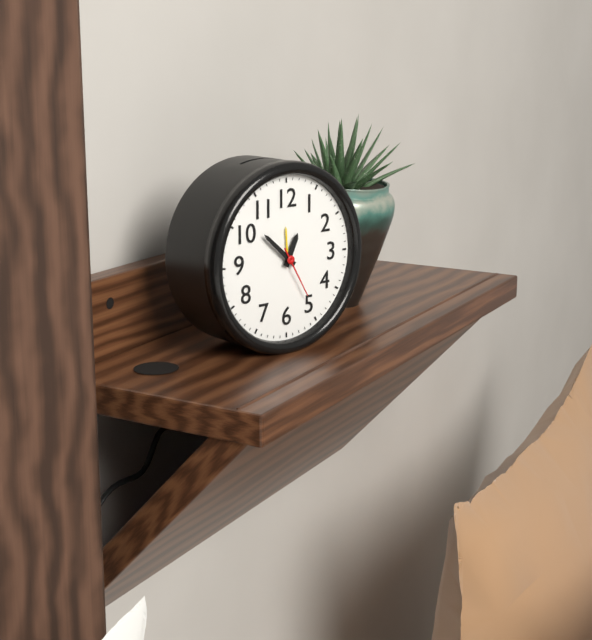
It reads **12:52**
